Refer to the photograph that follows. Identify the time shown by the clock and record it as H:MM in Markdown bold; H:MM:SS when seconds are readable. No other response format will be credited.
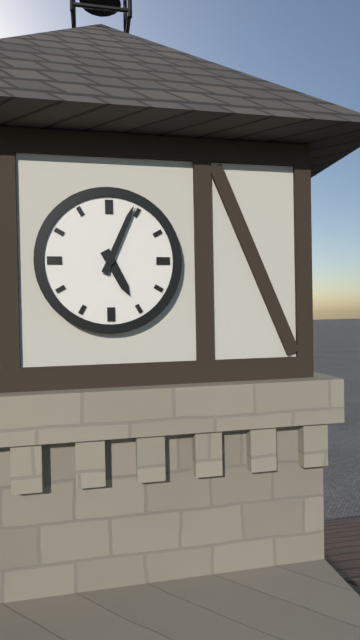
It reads **5:04**
